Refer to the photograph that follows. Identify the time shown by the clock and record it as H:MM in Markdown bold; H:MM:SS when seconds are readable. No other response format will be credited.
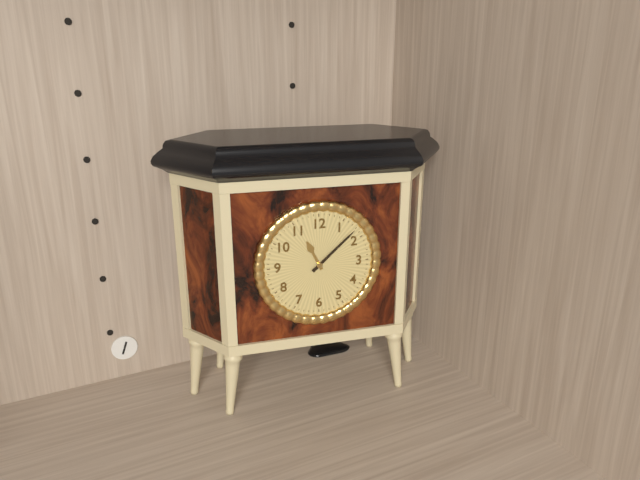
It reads **11:08**
